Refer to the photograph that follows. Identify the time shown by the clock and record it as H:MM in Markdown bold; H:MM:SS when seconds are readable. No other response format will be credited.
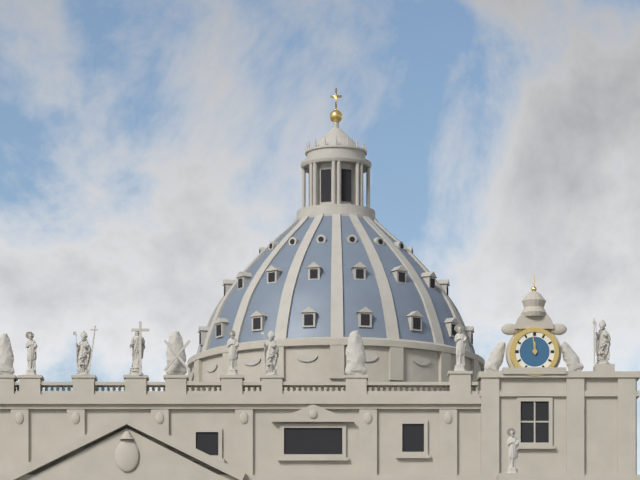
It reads **11:59**
